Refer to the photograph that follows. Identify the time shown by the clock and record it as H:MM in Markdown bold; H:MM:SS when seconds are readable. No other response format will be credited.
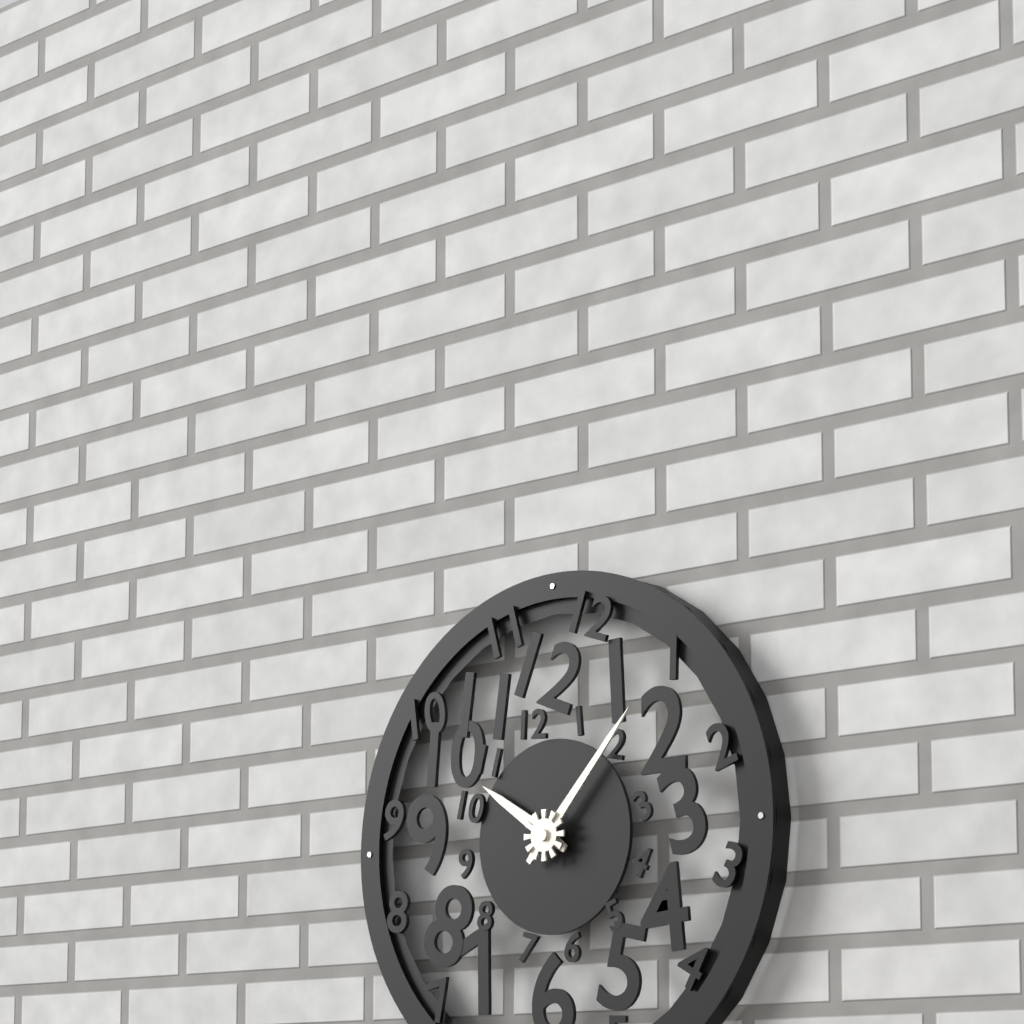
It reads **10:07**
